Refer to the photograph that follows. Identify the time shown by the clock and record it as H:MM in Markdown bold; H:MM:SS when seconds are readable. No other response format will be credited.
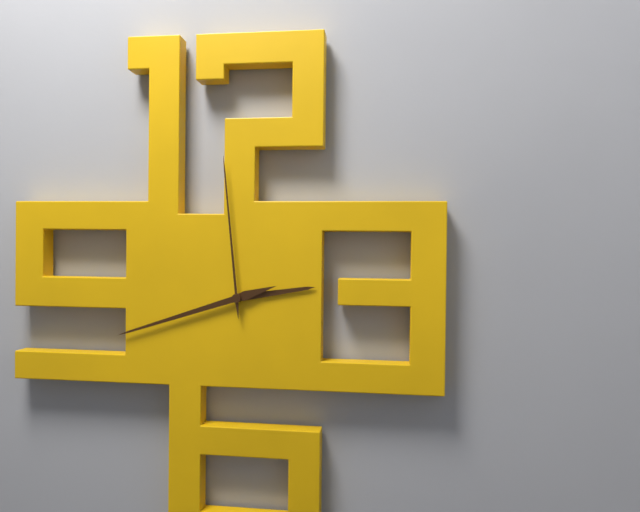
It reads **2:42:59**
